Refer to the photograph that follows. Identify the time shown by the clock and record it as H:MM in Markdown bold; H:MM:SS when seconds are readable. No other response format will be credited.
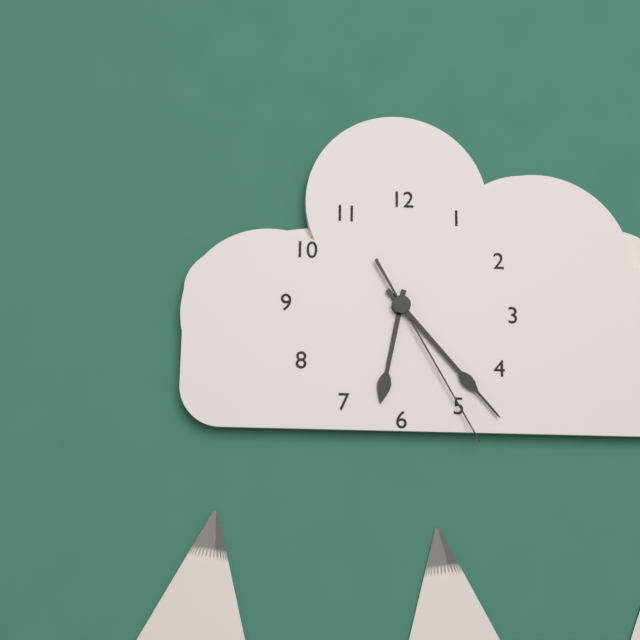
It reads **6:23:25**
